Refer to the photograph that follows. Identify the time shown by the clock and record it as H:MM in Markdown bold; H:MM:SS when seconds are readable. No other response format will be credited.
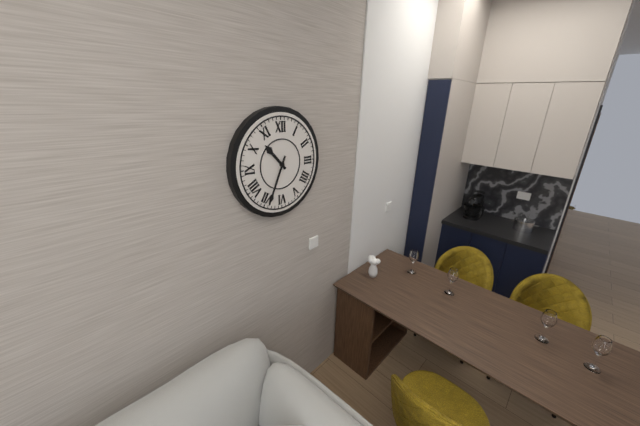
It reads **10:34**
